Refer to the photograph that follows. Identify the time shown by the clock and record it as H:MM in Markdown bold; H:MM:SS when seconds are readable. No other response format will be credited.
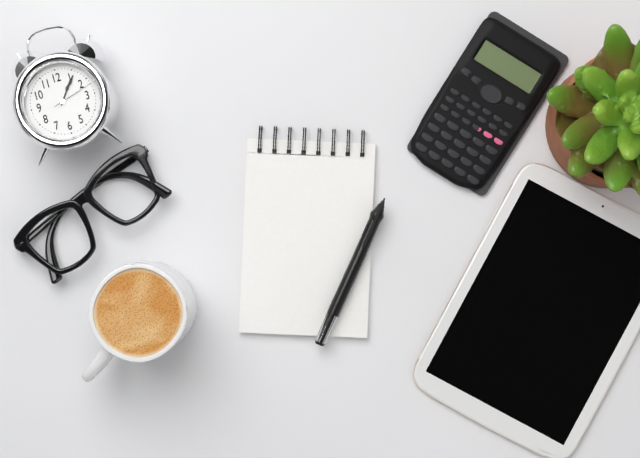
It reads **1:06**
